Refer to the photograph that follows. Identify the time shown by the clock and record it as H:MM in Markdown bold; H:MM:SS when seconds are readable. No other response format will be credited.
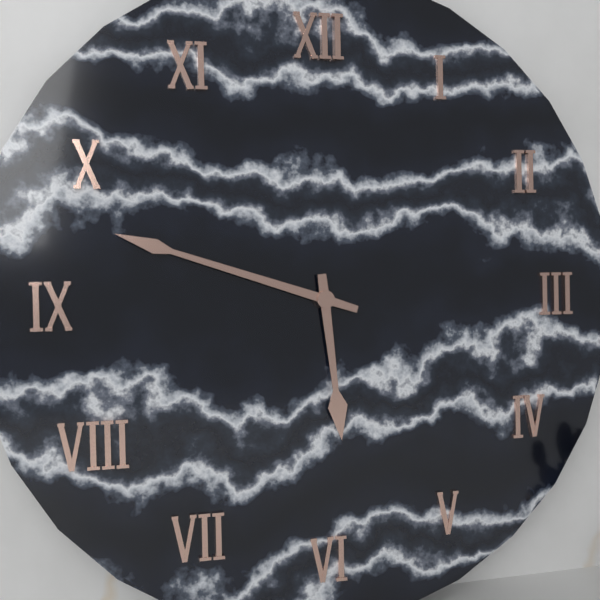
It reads **5:48**
